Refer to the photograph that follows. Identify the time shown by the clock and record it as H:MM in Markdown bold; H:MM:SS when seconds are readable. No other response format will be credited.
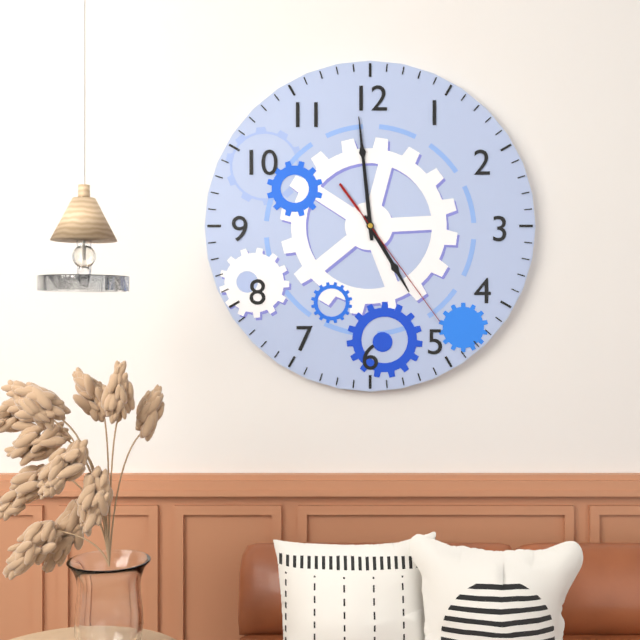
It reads **4:59:24**
